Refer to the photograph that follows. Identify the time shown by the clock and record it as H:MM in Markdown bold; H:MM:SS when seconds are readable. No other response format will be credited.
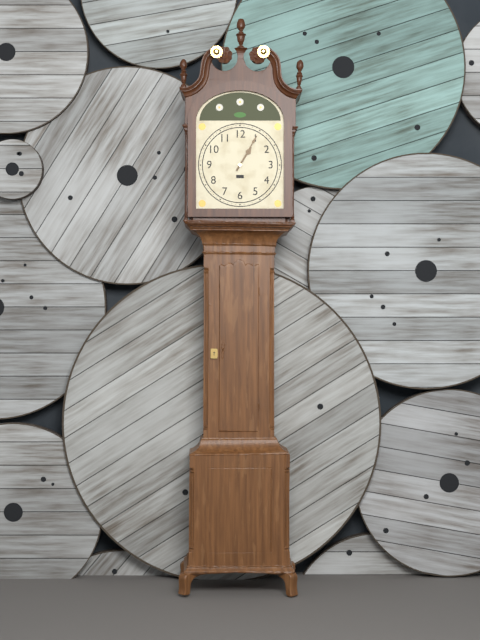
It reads **1:05**
